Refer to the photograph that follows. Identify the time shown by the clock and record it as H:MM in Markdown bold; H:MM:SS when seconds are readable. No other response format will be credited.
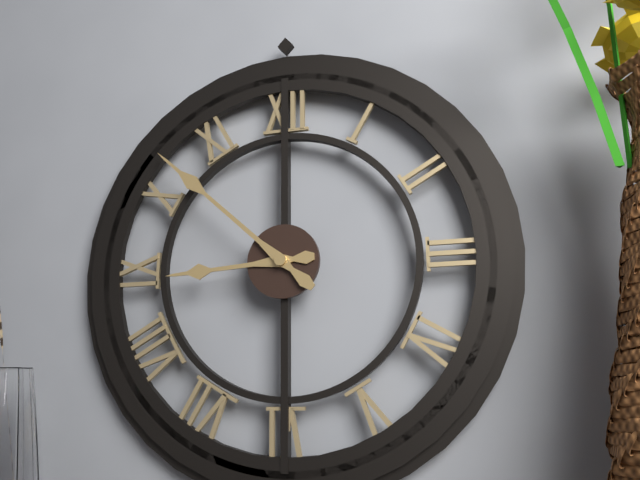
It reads **8:52**
